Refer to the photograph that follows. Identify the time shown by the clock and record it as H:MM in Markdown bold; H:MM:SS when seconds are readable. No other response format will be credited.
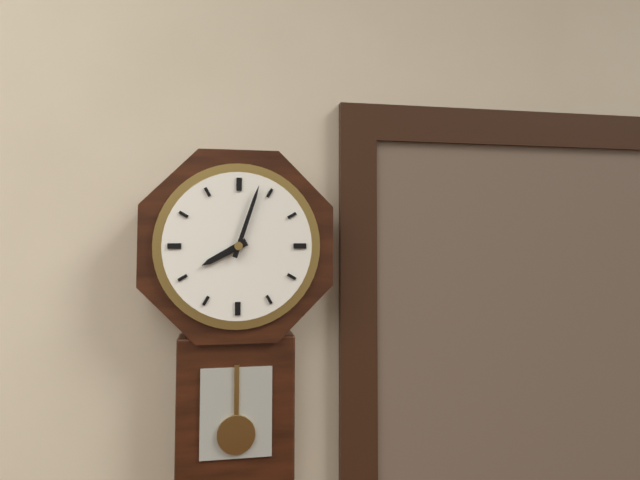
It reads **8:03**
